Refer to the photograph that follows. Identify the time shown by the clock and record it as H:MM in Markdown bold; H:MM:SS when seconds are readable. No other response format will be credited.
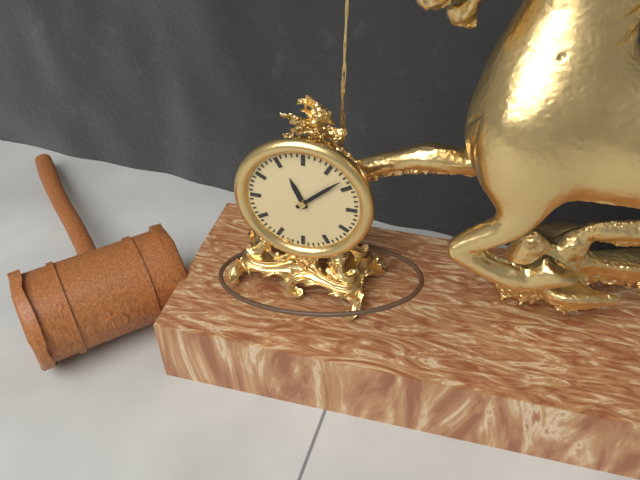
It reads **11:08**
